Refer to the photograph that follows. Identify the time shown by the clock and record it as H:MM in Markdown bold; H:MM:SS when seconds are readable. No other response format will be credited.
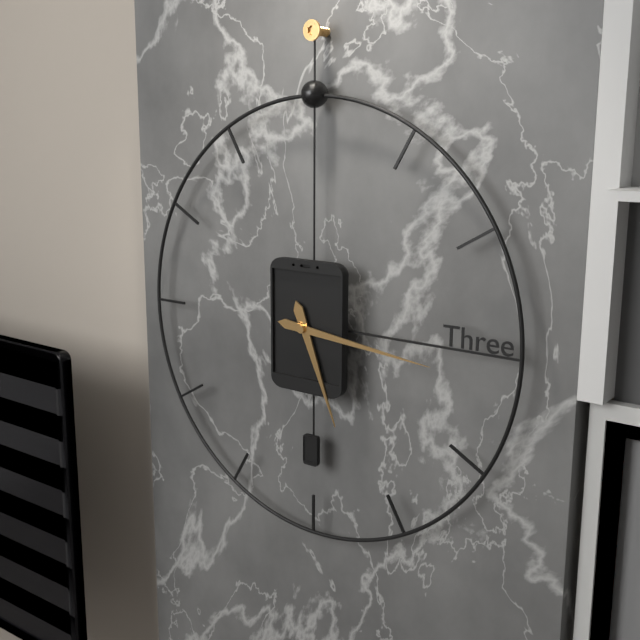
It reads **5:16**
